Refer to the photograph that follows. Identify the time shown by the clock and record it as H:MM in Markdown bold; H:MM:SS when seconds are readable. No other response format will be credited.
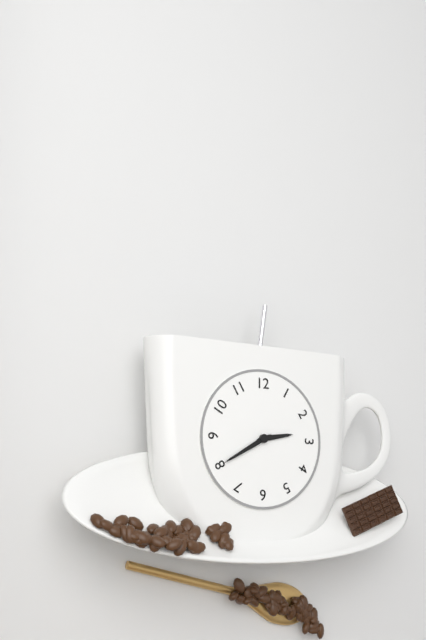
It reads **2:40**
